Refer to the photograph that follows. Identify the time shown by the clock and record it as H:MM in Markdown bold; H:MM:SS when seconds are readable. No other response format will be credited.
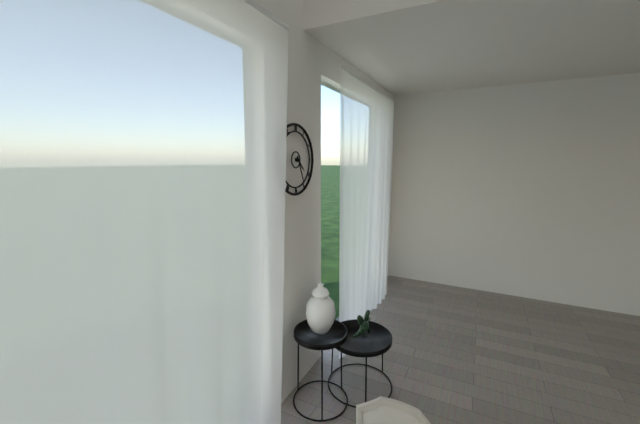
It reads **4:26**
